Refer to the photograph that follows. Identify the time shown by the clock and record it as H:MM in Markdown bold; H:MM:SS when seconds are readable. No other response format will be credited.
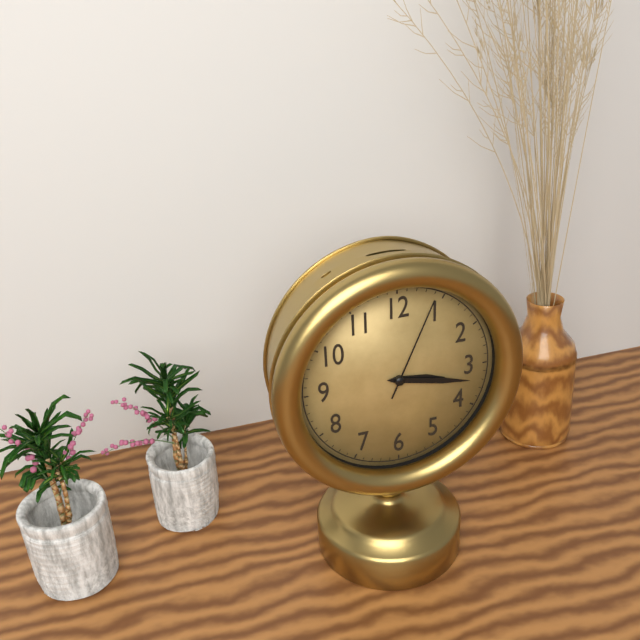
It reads **3:17:04**
